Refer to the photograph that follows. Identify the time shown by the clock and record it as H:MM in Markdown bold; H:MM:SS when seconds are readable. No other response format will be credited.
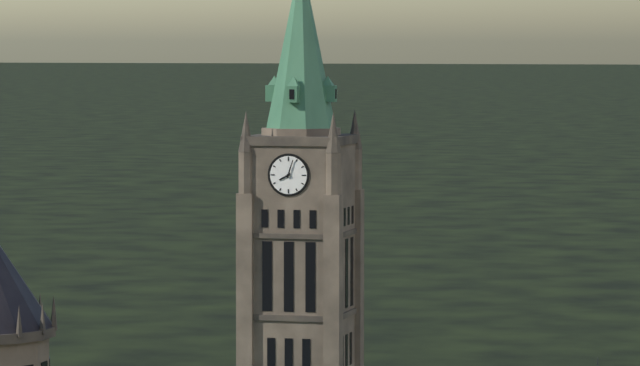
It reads **8:03**
